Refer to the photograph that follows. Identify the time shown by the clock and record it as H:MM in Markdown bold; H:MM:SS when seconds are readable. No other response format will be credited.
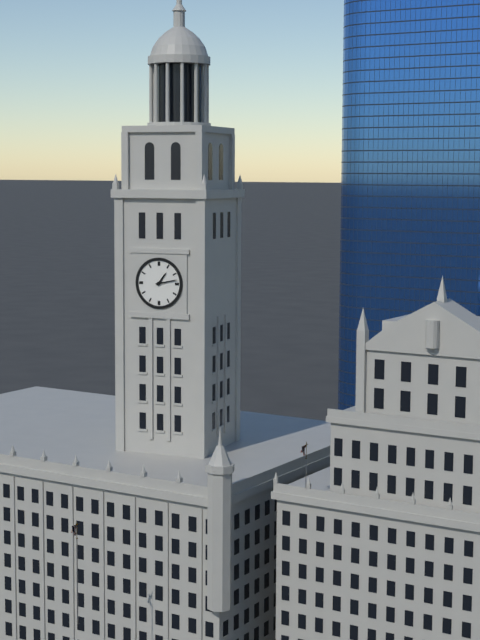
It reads **1:13**
